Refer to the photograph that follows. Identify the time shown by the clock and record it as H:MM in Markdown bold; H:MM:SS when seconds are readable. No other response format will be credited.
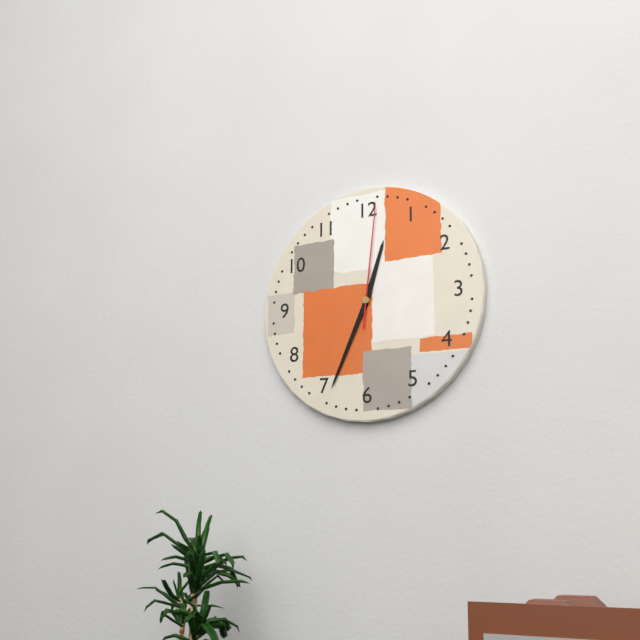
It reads **12:34:01**
